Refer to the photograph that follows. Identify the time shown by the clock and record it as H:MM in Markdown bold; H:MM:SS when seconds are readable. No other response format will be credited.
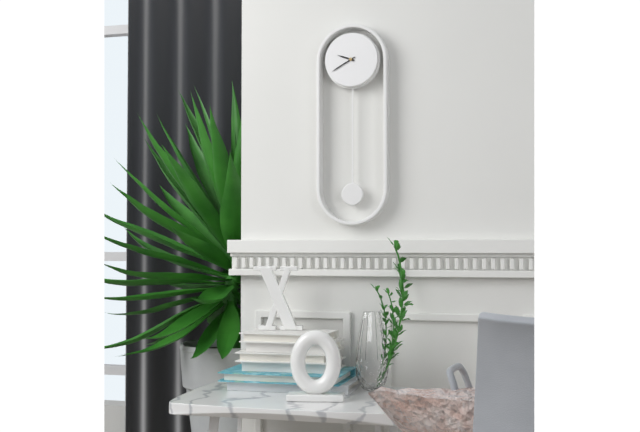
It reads **9:40**
